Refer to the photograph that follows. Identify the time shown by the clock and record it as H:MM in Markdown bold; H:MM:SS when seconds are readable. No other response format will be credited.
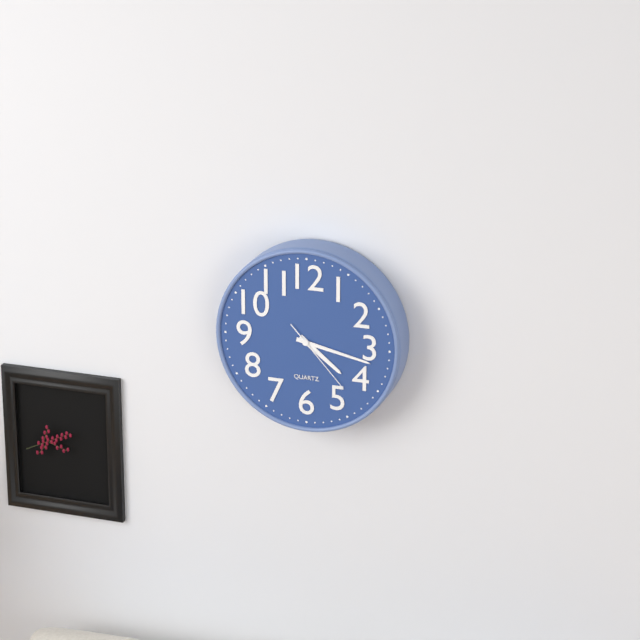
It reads **4:17:23**
